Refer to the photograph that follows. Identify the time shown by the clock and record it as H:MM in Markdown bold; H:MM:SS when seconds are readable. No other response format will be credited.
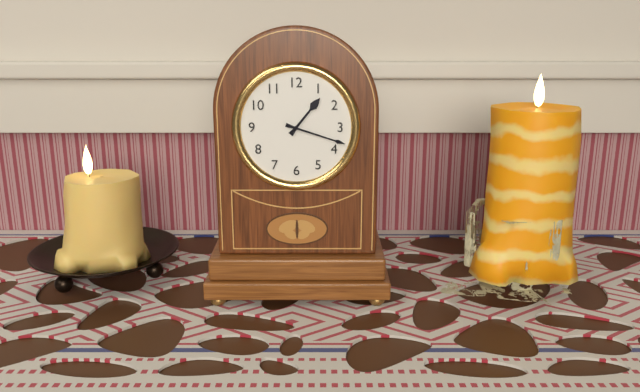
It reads **1:18**
